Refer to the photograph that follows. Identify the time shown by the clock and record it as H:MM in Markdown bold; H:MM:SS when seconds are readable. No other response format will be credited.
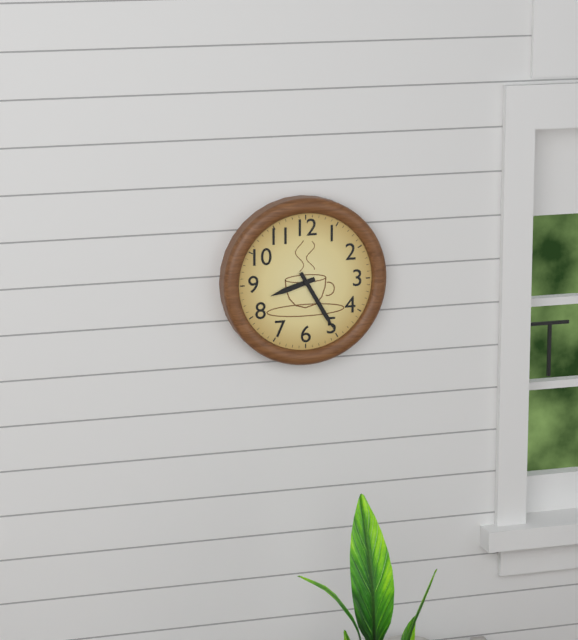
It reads **8:25**
